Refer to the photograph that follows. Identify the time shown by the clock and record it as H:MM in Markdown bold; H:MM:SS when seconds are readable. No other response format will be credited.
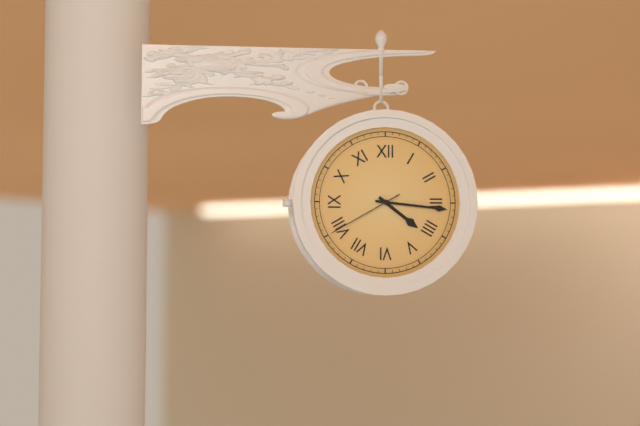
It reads **4:16:40**
